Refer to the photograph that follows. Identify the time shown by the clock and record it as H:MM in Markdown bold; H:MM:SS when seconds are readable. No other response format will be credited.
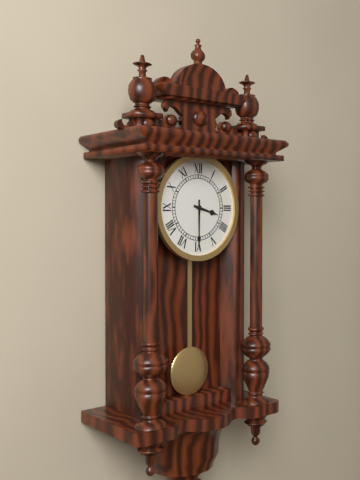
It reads **3:30**
